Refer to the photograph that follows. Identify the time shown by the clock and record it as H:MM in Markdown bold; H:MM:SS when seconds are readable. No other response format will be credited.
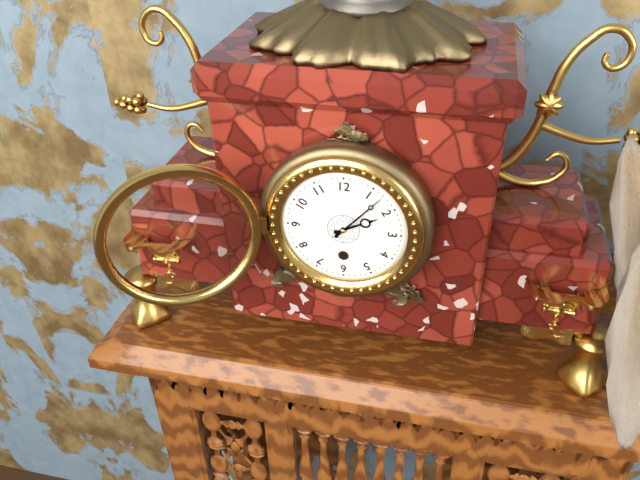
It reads **2:07**
